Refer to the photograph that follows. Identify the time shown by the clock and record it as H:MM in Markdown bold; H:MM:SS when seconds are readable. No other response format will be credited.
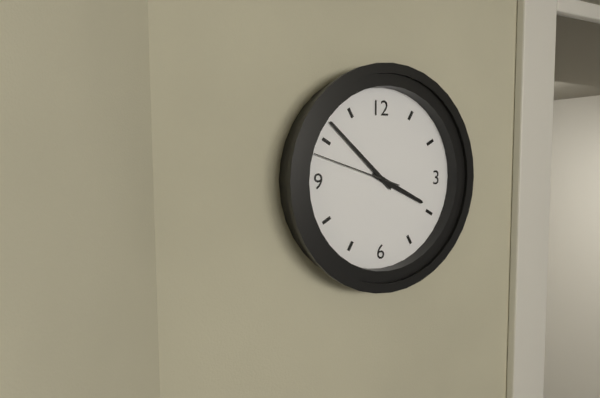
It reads **3:52:48**
